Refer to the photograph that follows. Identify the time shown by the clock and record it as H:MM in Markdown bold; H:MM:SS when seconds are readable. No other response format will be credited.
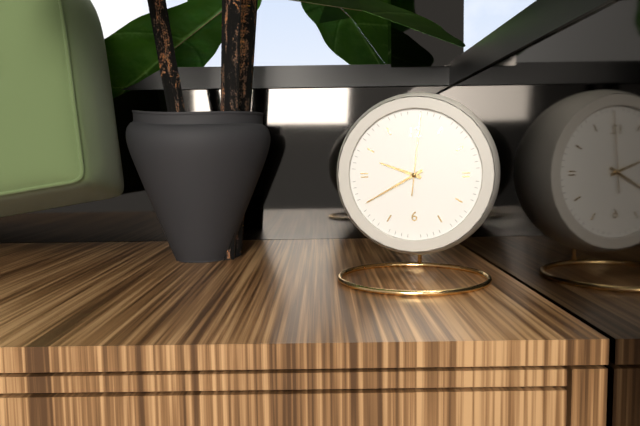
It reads **9:40:01**
